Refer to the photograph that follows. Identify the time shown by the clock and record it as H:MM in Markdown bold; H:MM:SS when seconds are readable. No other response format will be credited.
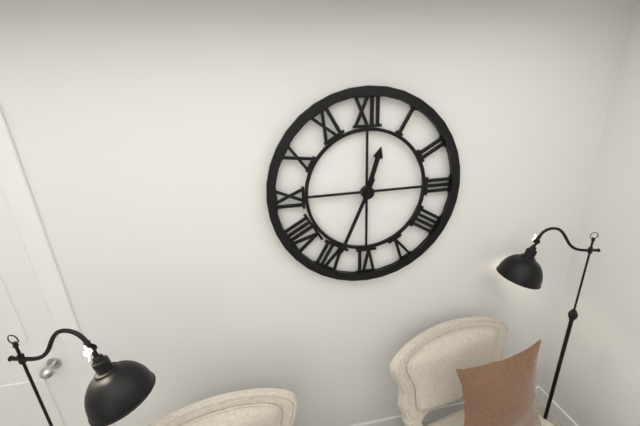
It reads **12:34**
